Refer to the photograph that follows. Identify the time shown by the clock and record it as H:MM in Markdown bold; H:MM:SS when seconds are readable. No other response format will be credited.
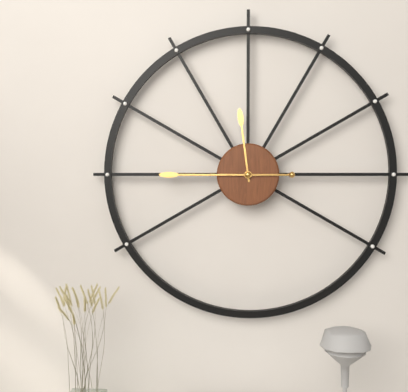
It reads **11:45**
